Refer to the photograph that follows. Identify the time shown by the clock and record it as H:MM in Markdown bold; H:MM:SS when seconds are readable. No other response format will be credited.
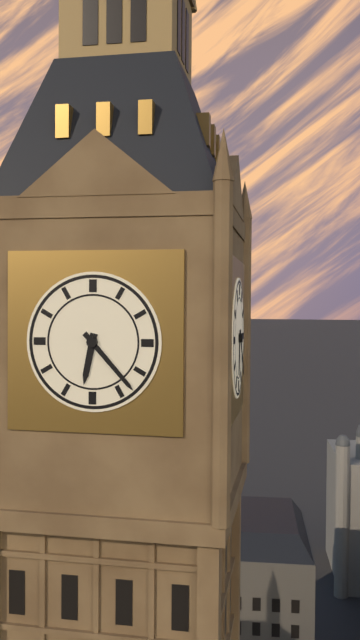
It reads **6:23**
